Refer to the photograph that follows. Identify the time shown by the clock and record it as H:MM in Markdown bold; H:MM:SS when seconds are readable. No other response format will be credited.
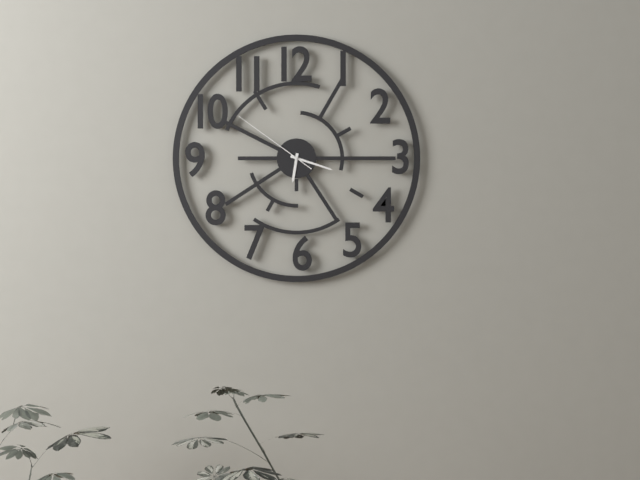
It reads **6:18:51**
